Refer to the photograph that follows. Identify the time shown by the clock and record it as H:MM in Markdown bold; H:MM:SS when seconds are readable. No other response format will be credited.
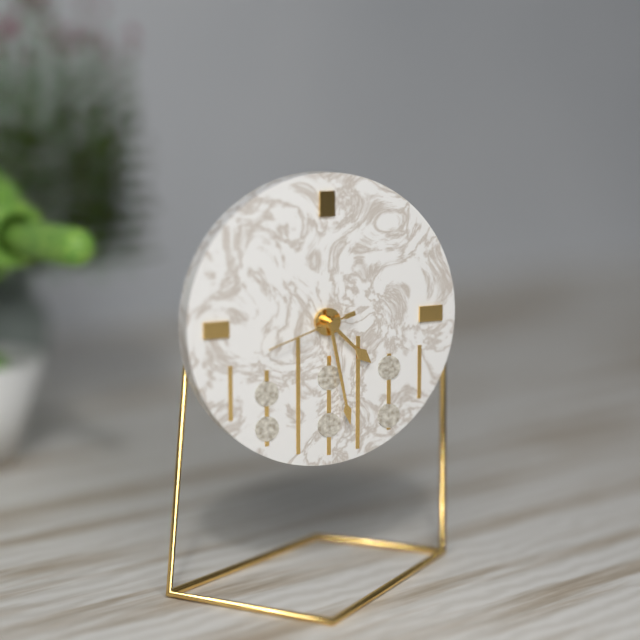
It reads **4:28:42**
